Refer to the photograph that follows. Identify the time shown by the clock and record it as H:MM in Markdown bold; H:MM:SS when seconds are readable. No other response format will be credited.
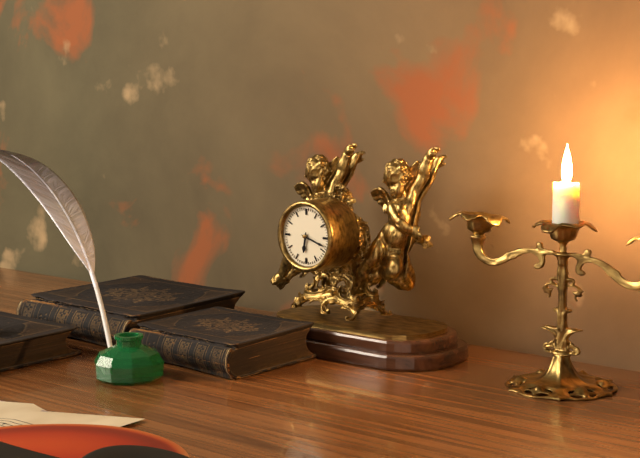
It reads **6:18**
